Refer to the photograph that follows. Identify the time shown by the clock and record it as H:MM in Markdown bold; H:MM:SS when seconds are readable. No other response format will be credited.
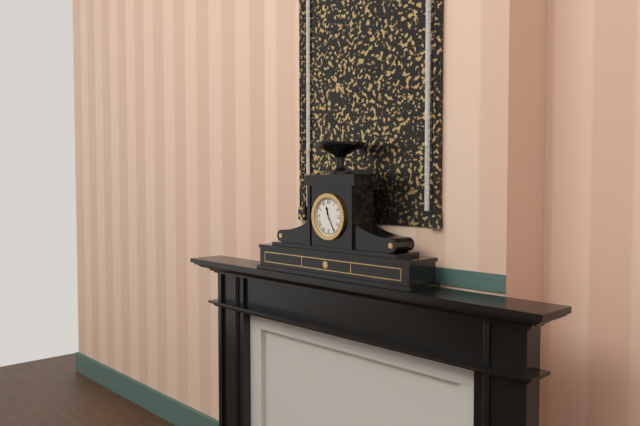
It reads **11:25**
